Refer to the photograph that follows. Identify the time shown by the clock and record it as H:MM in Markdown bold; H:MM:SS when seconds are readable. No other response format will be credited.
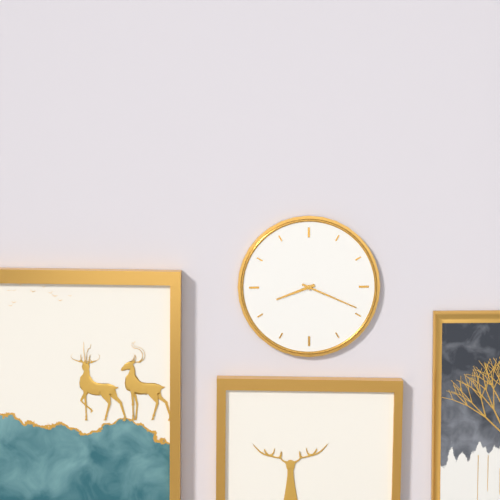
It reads **8:19**
